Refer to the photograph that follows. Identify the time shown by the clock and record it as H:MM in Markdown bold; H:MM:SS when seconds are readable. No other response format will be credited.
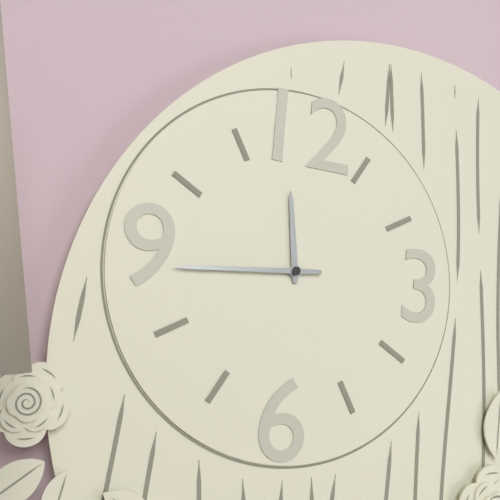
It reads **11:44**
